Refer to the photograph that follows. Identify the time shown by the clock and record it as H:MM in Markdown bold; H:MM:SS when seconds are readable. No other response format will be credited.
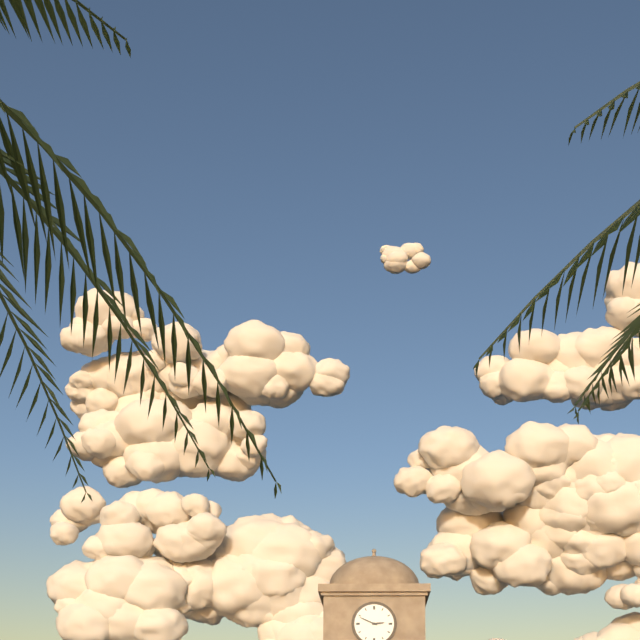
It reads **2:49**
